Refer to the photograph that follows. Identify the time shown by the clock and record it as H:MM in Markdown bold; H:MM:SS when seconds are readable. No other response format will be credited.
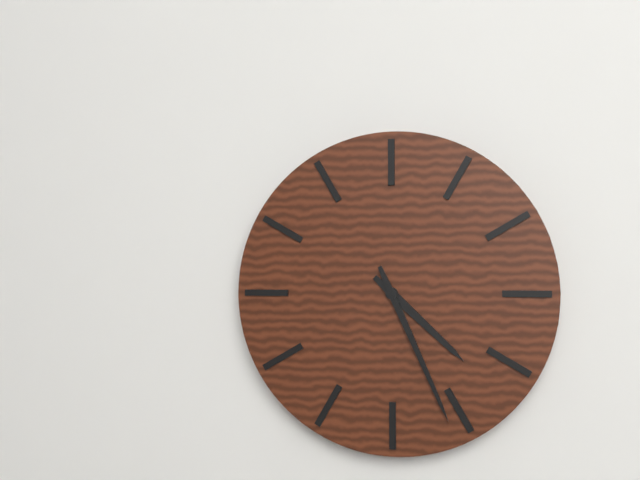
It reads **4:26**
